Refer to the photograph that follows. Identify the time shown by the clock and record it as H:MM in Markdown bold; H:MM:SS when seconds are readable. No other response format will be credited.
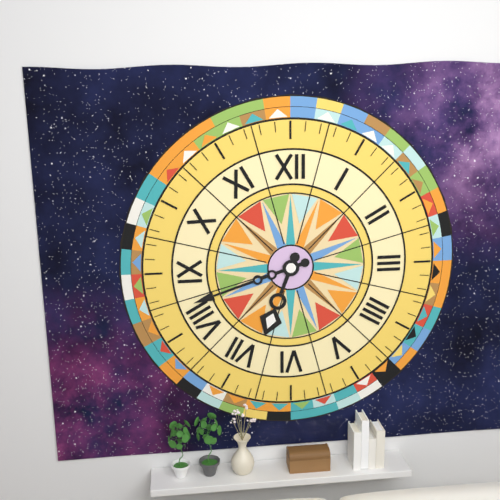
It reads **6:42**
